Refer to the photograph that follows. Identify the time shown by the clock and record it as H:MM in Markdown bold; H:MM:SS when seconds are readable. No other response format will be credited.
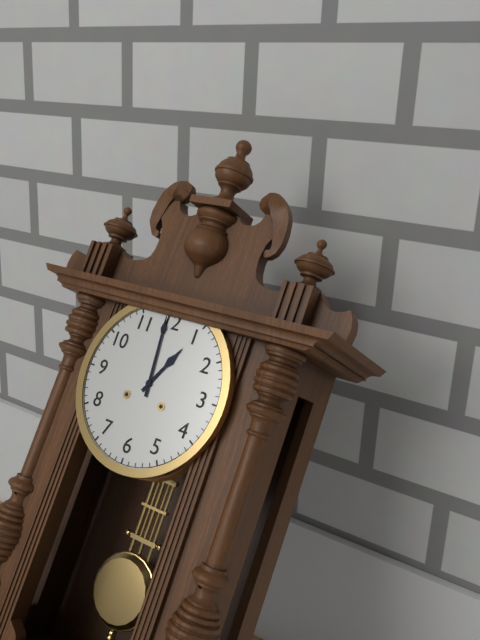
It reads **12:59**
